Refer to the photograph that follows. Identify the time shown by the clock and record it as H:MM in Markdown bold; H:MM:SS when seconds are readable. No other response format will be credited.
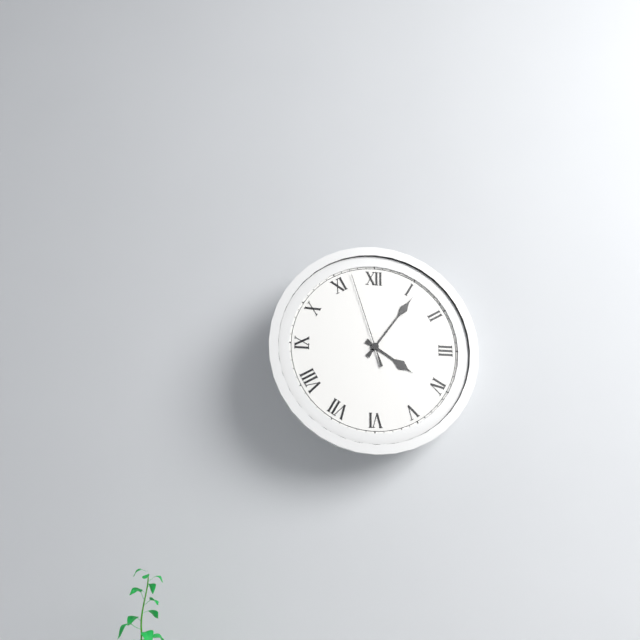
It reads **4:06:57**
